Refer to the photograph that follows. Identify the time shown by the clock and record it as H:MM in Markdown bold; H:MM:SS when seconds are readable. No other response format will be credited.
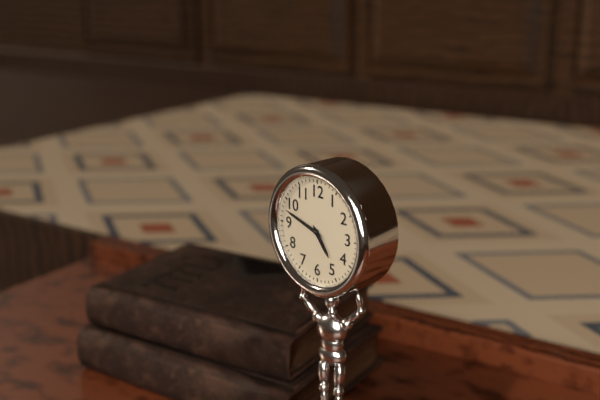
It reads **4:48**
